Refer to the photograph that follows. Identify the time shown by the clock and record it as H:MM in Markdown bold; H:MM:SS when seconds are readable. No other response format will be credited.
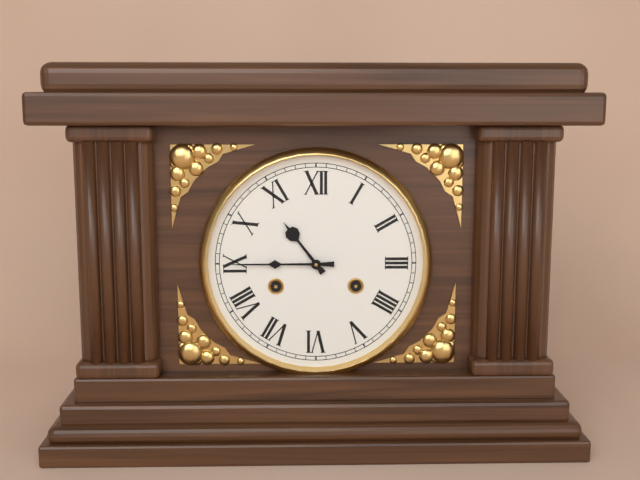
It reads **10:45**
